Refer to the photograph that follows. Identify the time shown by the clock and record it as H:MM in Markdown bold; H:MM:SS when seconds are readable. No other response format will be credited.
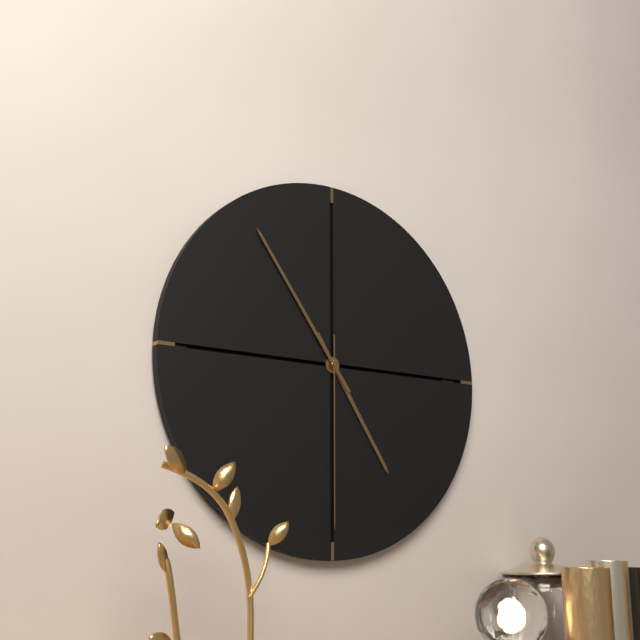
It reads **4:54:30**
